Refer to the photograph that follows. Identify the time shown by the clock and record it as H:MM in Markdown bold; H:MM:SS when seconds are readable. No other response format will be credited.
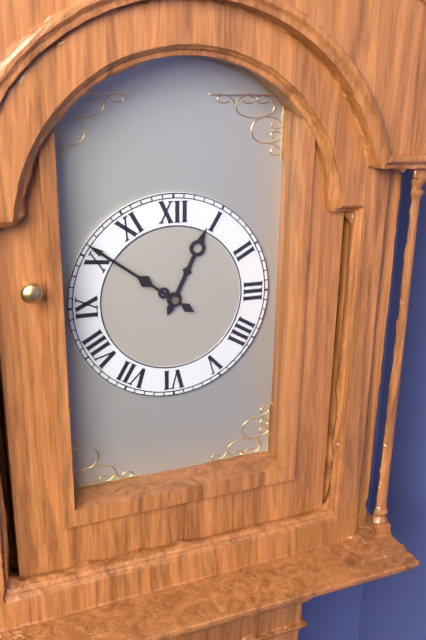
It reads **12:51**
